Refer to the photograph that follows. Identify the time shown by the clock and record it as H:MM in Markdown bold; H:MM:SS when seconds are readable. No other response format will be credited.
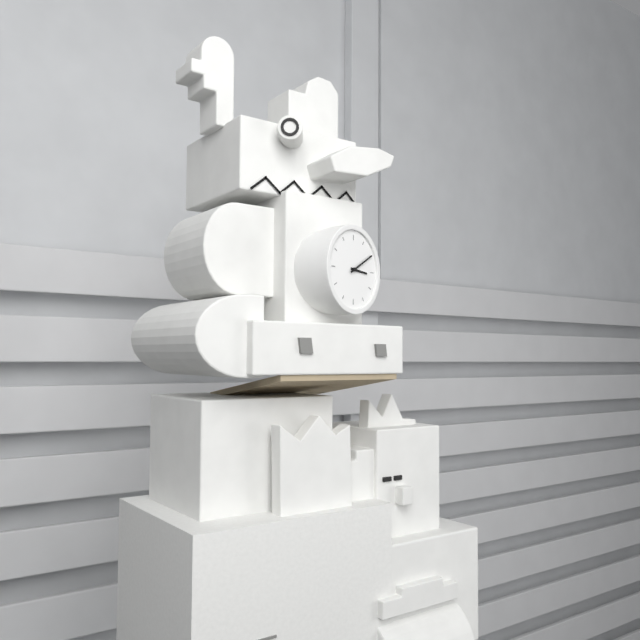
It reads **3:10**
